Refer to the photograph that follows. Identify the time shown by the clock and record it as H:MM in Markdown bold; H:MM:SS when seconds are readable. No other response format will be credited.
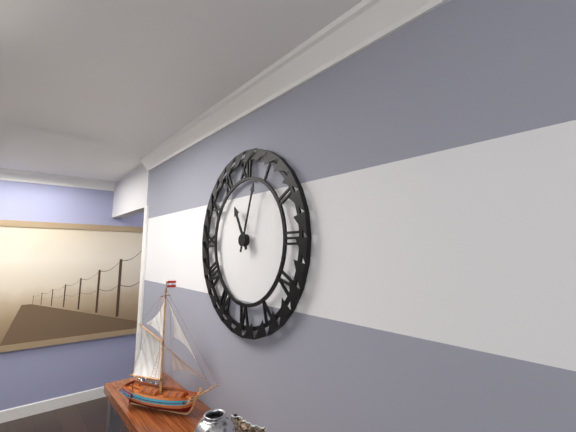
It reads **11:03**
